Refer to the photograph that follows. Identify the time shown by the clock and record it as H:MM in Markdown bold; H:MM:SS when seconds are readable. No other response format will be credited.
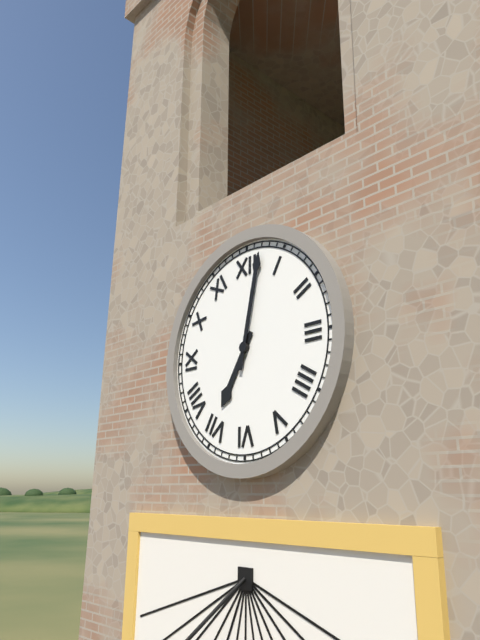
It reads **7:02**
